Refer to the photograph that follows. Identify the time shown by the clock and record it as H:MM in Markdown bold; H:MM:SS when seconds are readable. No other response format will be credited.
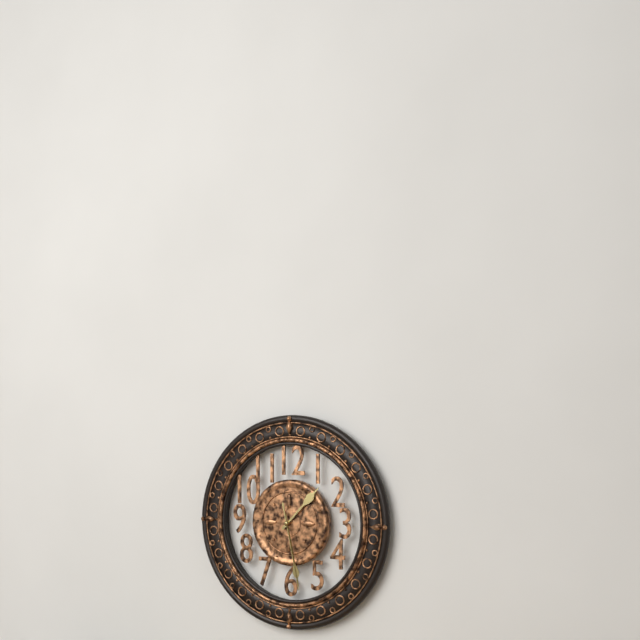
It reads **1:28:28**
